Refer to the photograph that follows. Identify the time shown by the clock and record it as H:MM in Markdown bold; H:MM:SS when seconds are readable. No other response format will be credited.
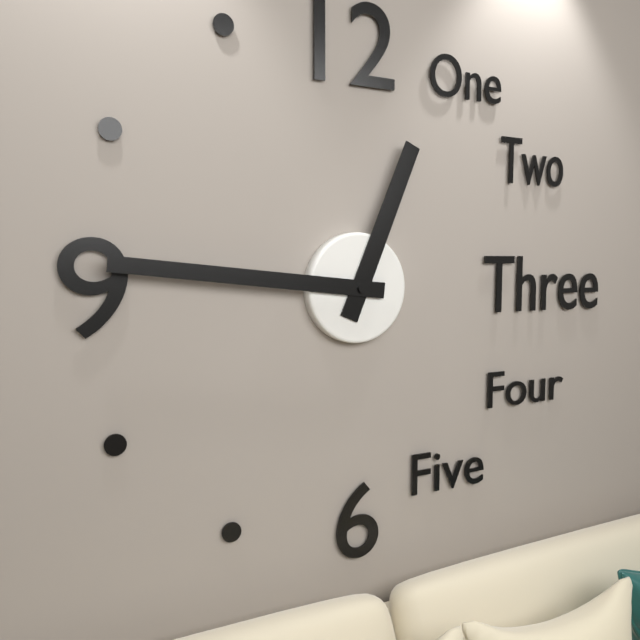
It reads **12:46**
